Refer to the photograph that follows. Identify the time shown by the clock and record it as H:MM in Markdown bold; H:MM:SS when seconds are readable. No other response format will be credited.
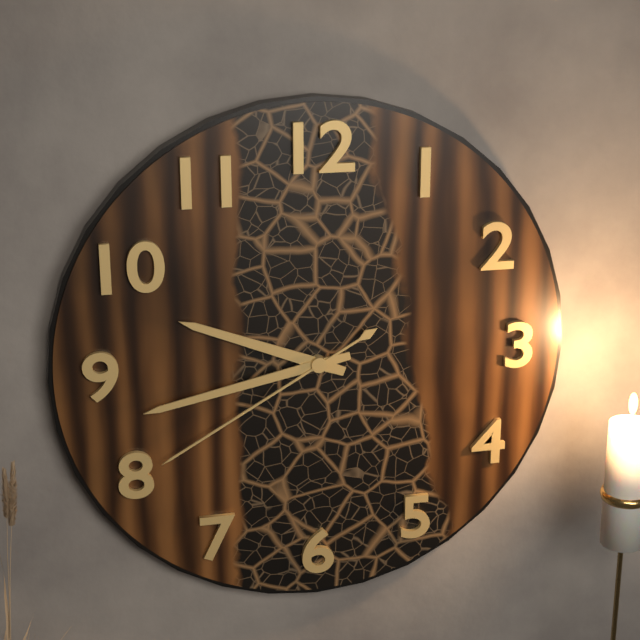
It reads **9:43:40**
